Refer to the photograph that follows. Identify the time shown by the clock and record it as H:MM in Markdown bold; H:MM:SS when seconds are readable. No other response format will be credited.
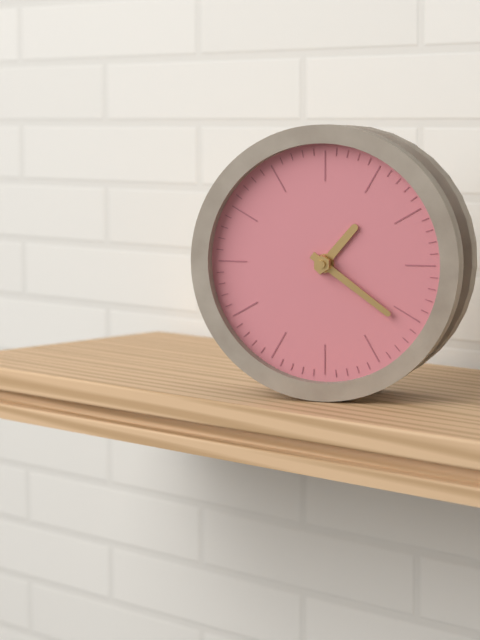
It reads **1:21**
